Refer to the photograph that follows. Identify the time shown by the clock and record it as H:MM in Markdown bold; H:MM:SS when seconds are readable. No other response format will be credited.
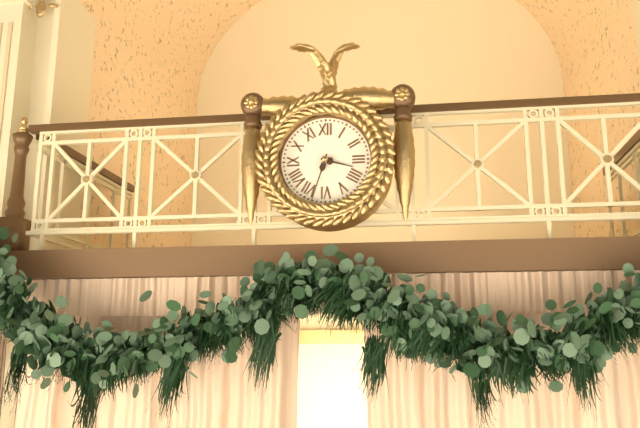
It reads **3:33**
